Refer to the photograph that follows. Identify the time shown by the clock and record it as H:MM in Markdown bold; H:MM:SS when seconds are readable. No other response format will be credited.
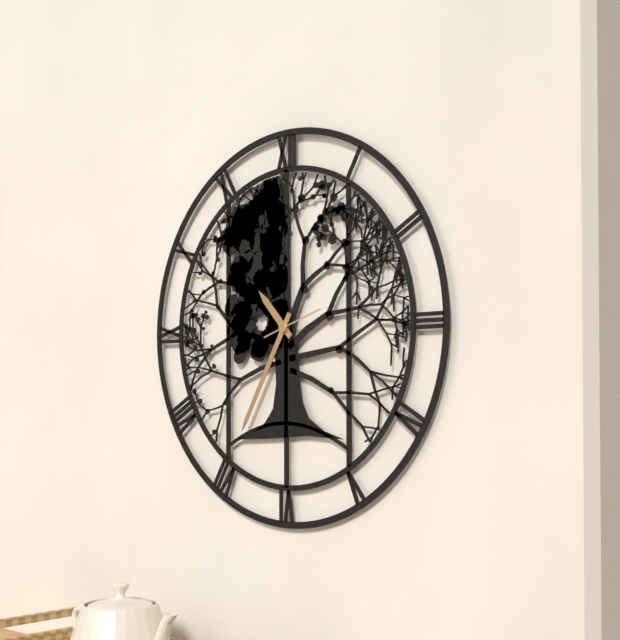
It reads **10:35:12**
